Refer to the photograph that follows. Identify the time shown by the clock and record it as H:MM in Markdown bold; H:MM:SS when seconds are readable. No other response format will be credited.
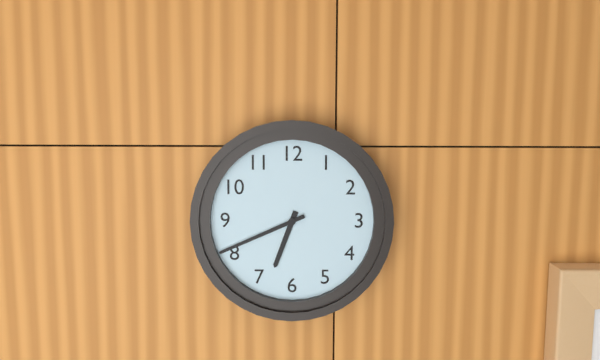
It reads **6:41**
